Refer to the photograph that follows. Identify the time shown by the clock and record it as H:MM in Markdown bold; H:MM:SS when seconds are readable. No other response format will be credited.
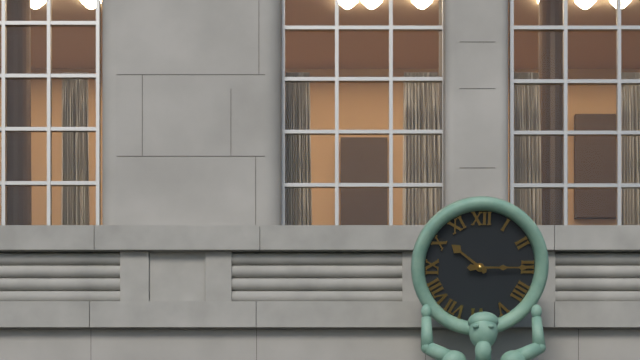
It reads **10:15**
